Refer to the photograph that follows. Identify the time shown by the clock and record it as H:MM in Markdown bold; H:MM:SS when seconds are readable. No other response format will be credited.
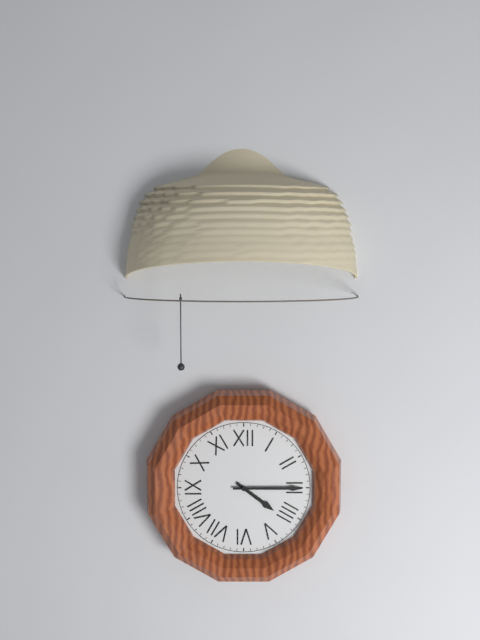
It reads **4:15**
